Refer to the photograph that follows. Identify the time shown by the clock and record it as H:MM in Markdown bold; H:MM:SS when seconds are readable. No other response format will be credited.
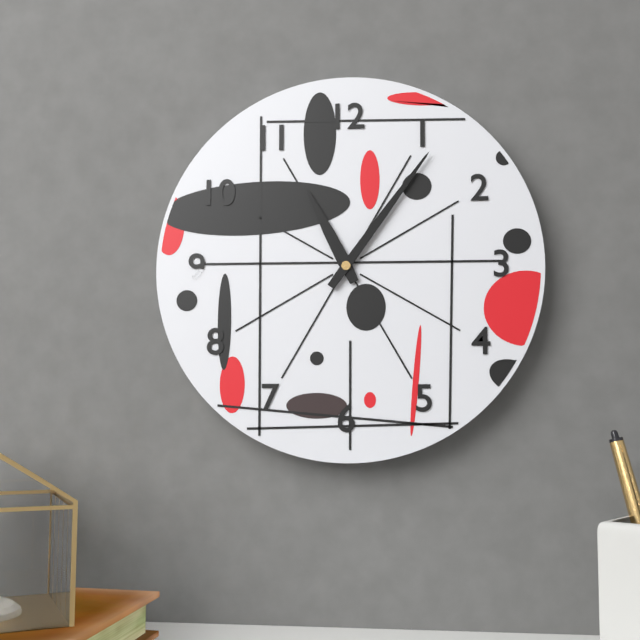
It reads **11:06**
